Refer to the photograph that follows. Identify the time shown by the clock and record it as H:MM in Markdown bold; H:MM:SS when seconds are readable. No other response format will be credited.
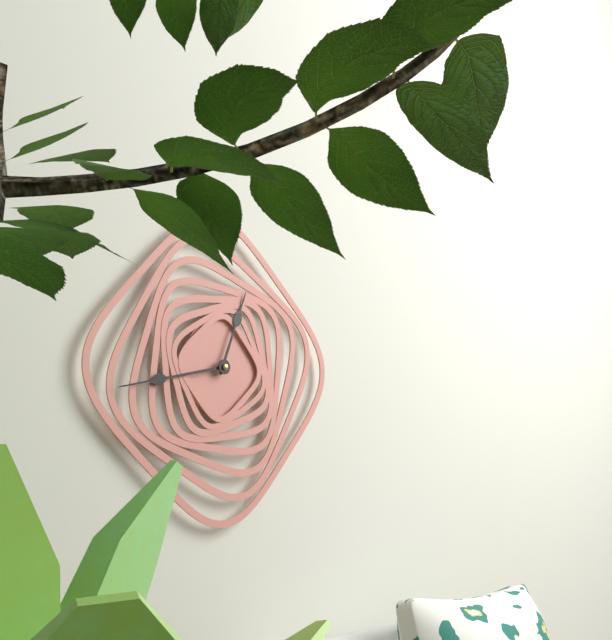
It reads **12:43**
